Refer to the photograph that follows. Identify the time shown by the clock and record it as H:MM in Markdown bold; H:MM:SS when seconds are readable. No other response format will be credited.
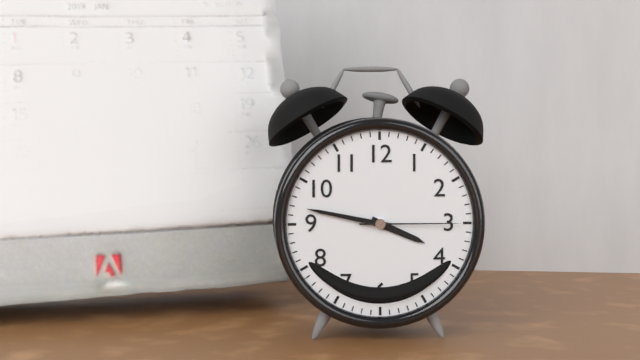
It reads **3:47:15**
